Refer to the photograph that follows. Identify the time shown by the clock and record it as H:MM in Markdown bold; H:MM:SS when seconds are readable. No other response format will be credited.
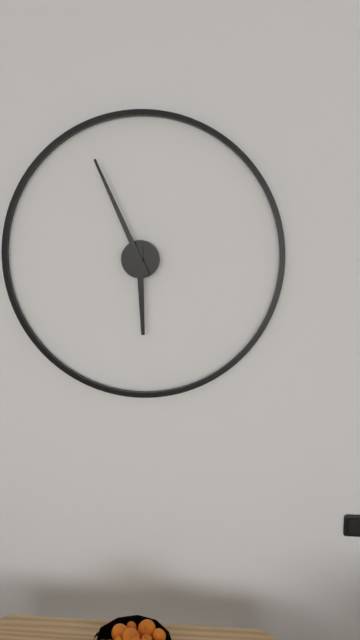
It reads **5:56**
